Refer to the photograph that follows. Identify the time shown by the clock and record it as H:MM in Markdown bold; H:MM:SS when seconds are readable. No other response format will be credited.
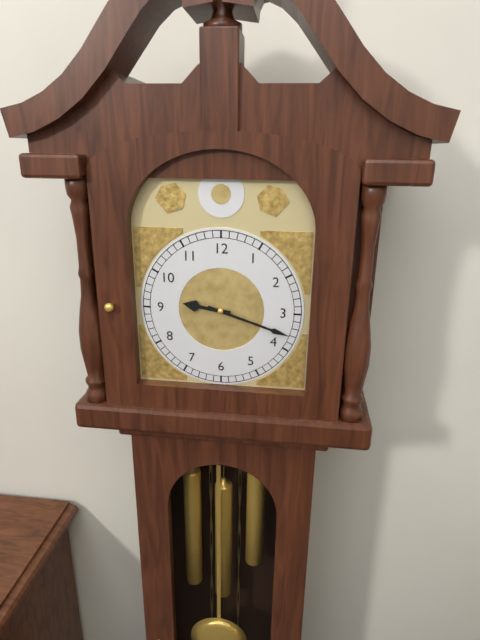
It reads **9:18**
